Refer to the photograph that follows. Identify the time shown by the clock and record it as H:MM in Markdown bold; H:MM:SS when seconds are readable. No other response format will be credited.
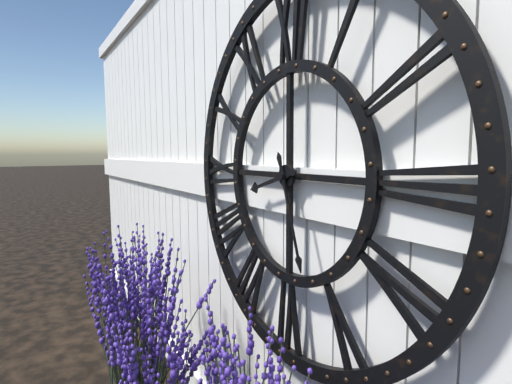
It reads **8:27**
